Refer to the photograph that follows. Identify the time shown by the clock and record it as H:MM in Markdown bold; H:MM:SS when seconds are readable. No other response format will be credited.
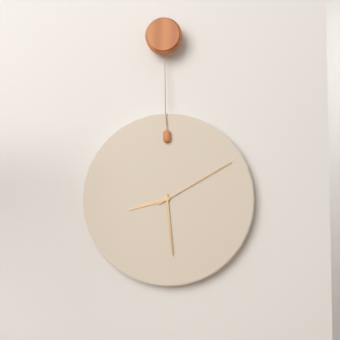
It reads **8:29:10**
